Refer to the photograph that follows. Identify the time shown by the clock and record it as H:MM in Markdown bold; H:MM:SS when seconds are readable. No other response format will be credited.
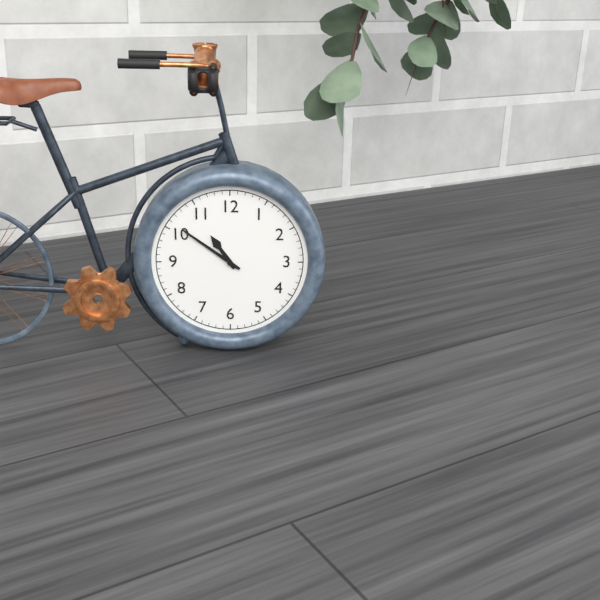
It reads **10:51**
